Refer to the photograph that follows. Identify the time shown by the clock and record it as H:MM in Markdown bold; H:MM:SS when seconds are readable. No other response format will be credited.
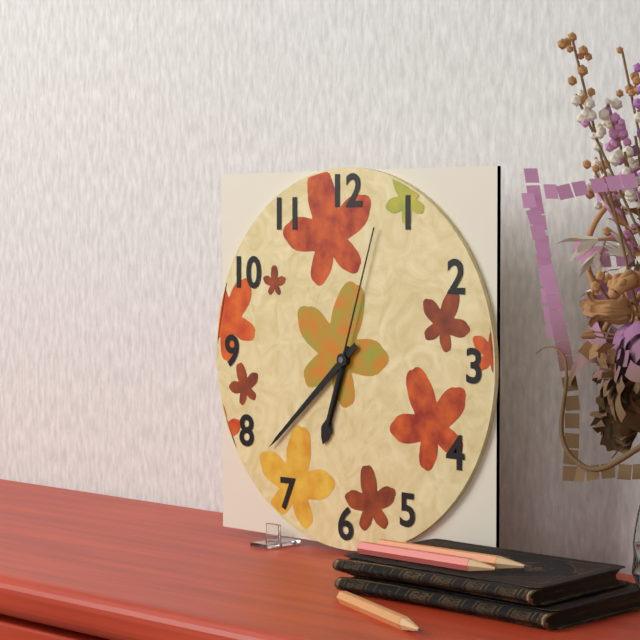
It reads **6:38:03**
